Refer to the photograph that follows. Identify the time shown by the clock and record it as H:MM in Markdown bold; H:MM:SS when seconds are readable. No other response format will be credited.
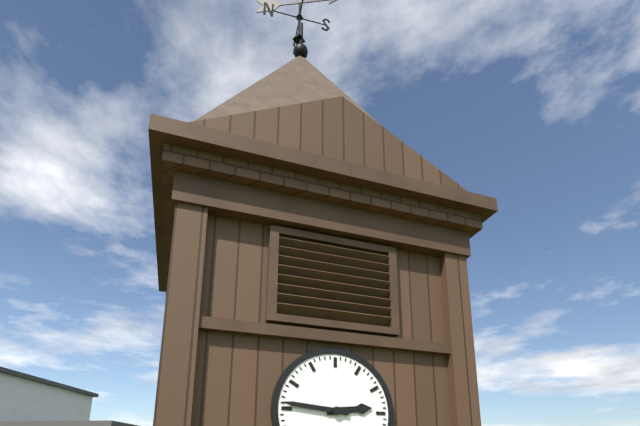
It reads **2:46**
